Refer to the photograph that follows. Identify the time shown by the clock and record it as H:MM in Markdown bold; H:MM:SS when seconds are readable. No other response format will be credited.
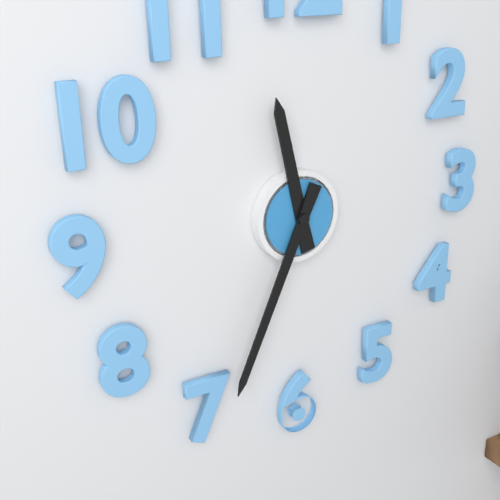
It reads **11:34**
